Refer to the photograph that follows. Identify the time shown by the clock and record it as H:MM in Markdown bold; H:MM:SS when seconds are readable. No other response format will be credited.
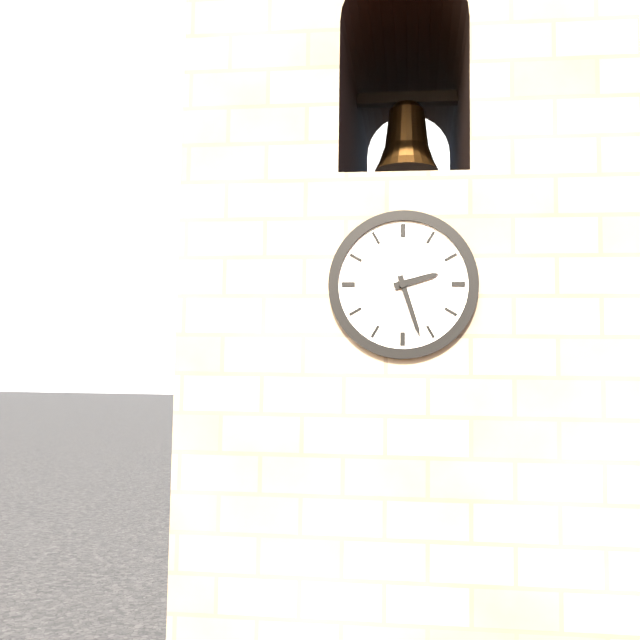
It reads **2:27**
